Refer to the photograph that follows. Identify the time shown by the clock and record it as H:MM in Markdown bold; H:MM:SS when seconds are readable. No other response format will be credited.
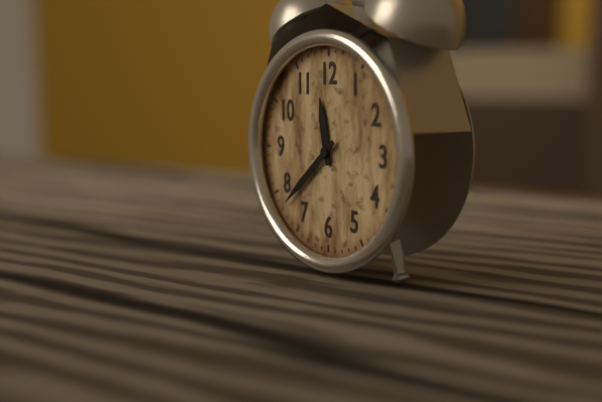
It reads **11:38**
